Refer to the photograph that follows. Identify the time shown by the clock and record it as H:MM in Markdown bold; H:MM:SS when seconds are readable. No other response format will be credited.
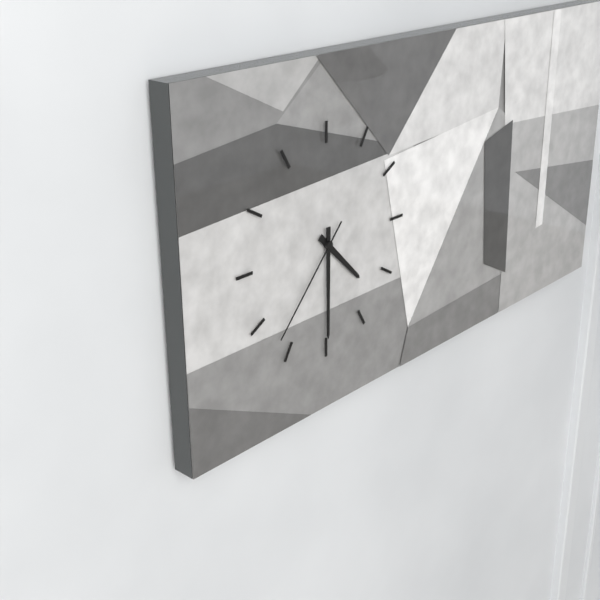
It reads **4:30:37**
